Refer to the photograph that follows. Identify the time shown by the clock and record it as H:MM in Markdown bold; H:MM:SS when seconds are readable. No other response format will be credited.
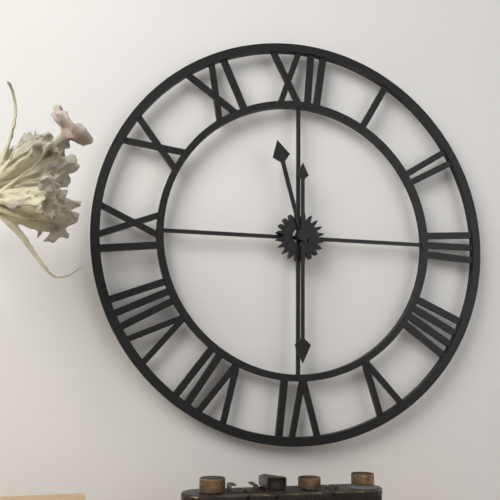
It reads **11:30**
